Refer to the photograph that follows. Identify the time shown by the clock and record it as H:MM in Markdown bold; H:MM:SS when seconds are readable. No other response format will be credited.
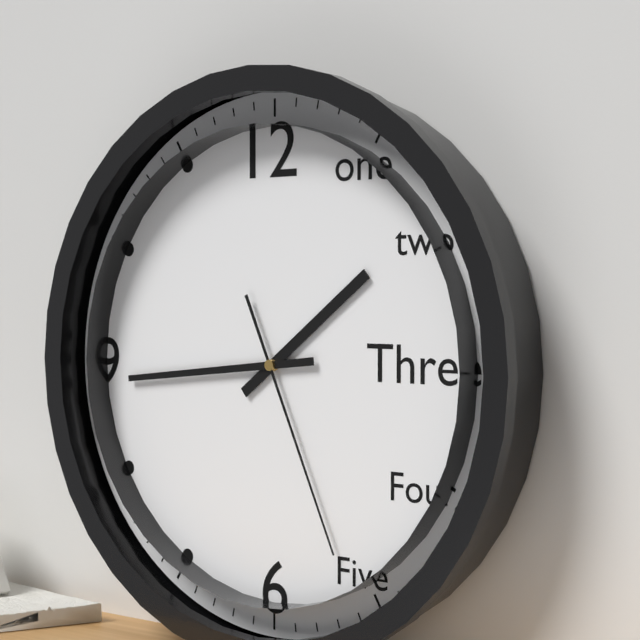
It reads **1:44:26**
